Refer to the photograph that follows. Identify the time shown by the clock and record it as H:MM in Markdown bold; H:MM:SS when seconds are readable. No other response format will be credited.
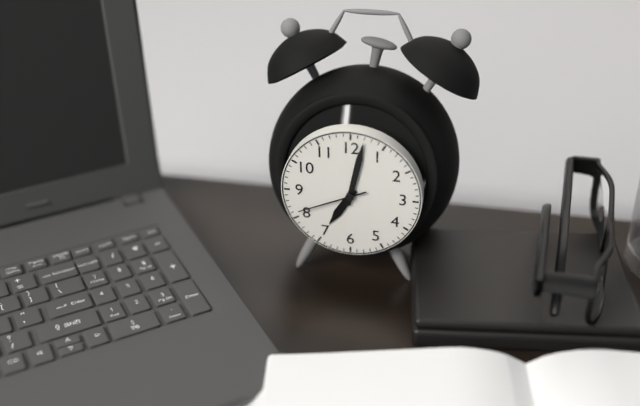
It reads **7:02:41**
